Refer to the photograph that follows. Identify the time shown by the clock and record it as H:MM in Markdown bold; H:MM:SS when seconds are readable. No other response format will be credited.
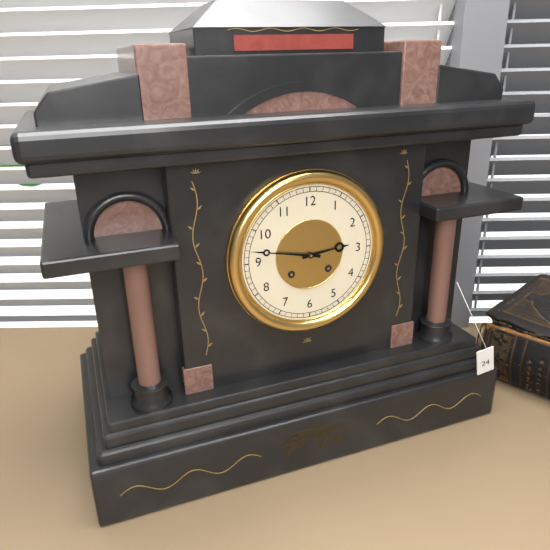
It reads **2:47**
